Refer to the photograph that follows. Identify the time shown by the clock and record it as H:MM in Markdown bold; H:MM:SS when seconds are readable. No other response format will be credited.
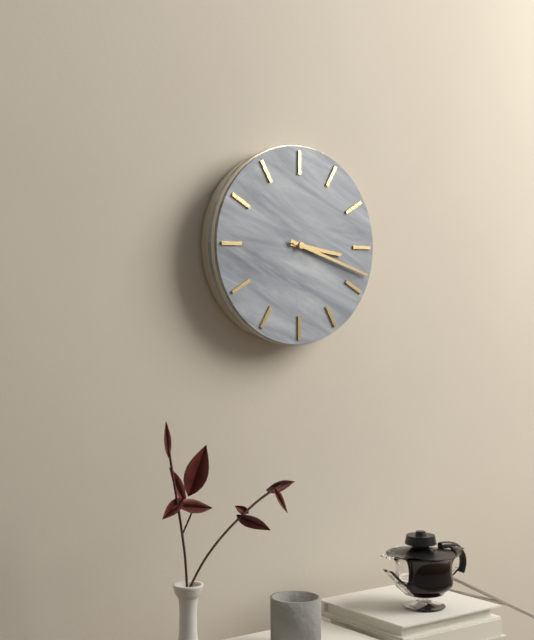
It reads **3:18**
